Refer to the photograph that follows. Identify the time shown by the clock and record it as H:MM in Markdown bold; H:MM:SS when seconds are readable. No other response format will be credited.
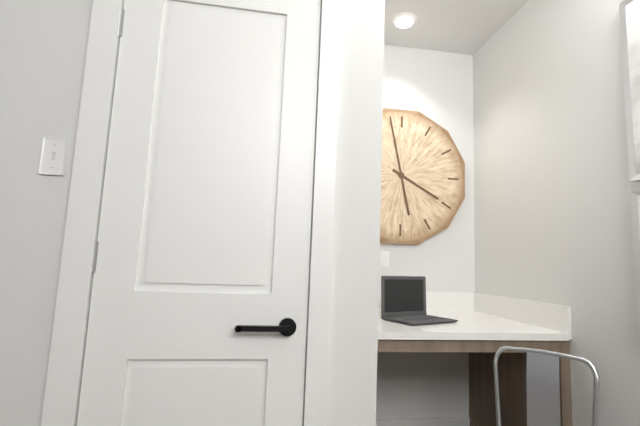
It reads **3:58**
